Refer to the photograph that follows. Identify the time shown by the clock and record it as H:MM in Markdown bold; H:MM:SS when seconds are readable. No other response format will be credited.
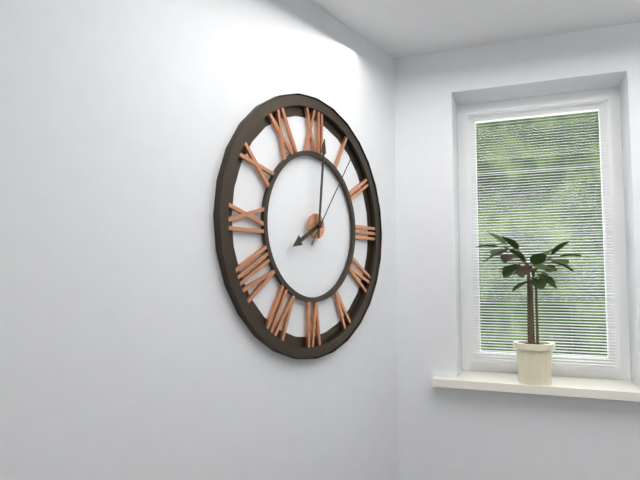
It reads **8:01:06**
